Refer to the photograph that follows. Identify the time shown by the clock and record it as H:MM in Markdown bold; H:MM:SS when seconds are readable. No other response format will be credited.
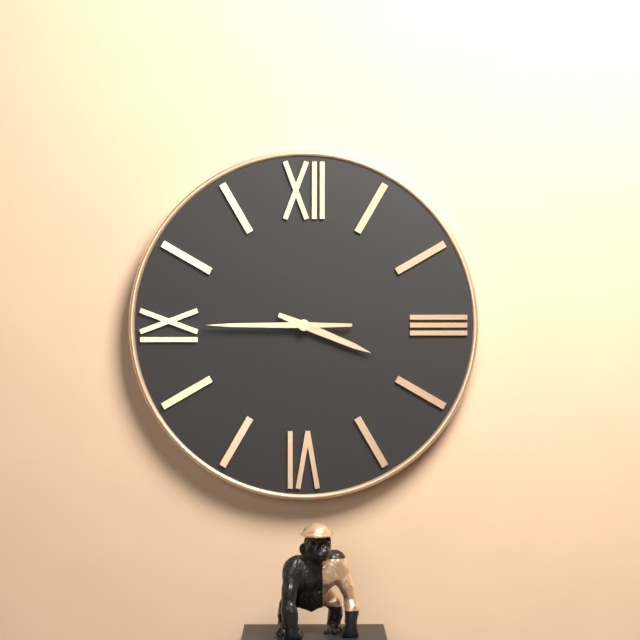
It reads **3:45**
